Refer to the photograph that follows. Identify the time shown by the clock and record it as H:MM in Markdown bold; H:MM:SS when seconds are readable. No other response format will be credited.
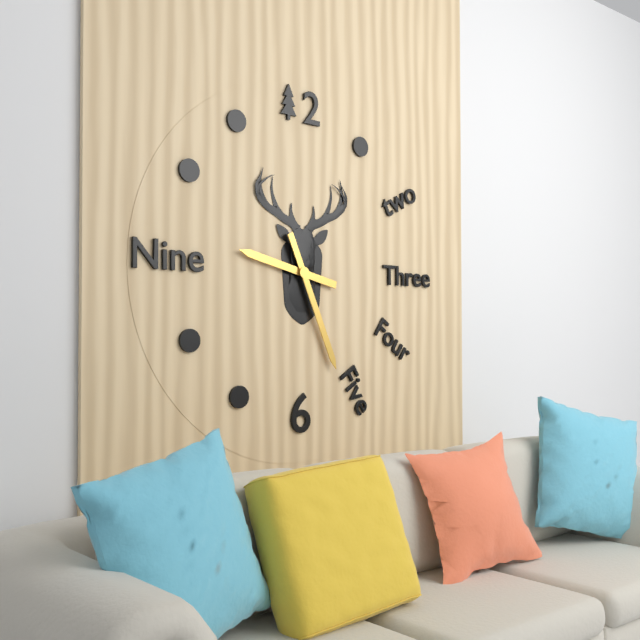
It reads **9:26**
